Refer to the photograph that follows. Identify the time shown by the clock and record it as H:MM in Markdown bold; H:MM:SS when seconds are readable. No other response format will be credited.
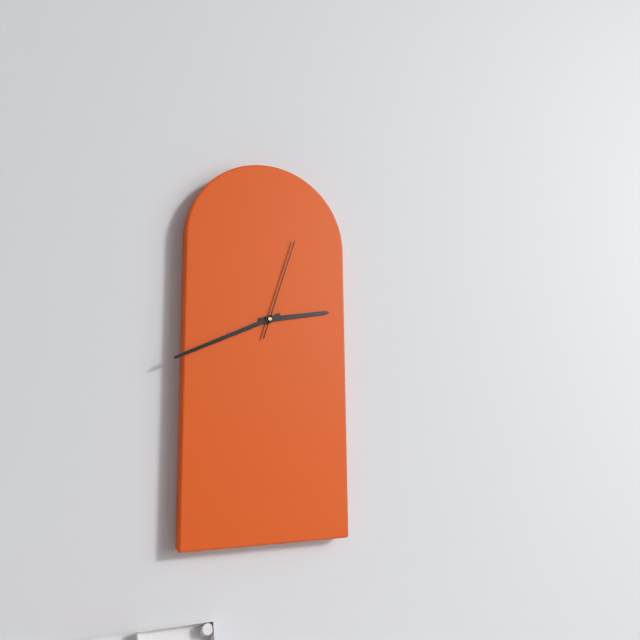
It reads **2:41:03**
